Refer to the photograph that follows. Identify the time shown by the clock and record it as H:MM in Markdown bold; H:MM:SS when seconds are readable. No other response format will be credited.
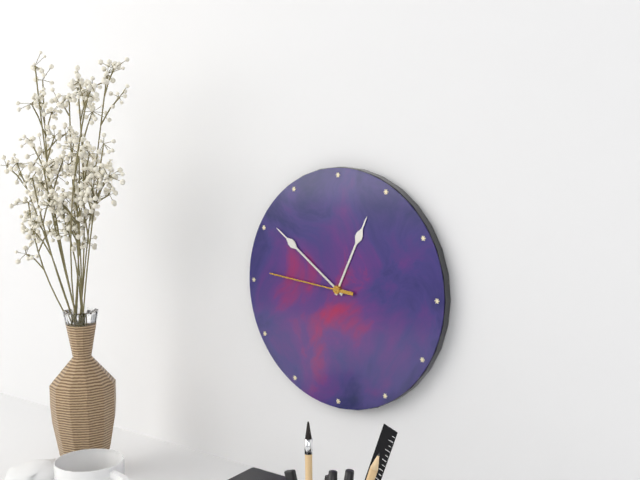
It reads **12:51:46**
